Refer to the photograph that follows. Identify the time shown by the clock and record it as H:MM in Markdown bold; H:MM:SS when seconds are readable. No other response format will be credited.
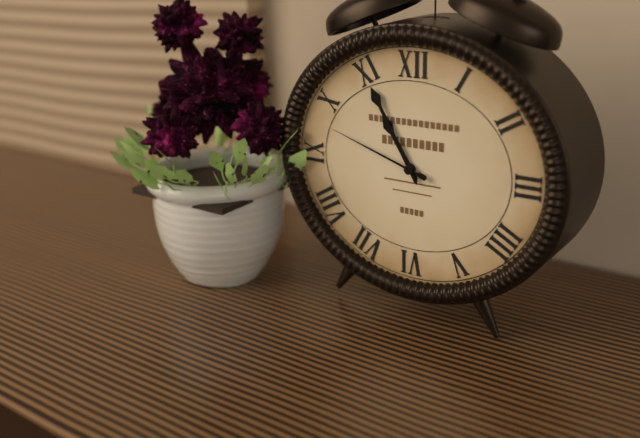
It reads **10:55:48**
